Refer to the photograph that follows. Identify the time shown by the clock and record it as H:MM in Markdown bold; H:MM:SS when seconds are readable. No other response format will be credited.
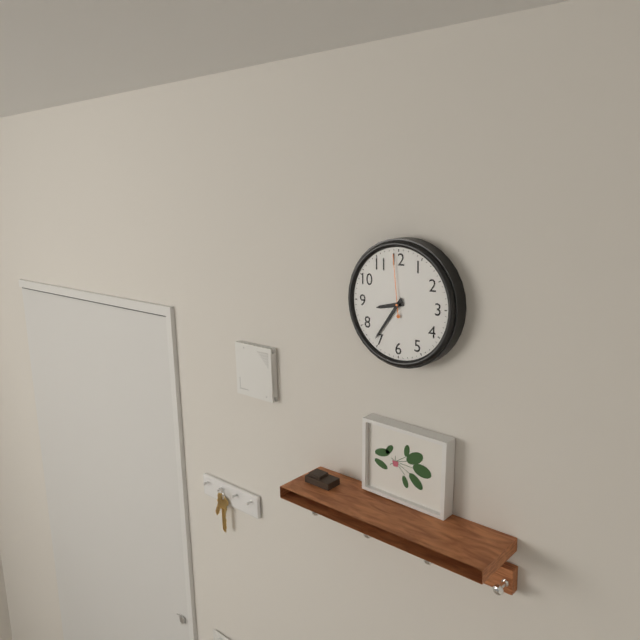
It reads **8:36:59**
